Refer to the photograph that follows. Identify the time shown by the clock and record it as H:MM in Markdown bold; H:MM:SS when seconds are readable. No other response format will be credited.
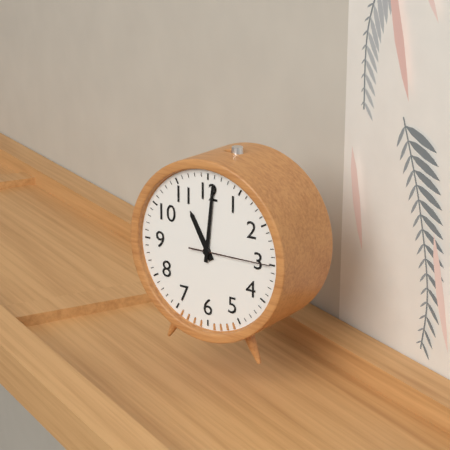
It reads **11:01:15**
